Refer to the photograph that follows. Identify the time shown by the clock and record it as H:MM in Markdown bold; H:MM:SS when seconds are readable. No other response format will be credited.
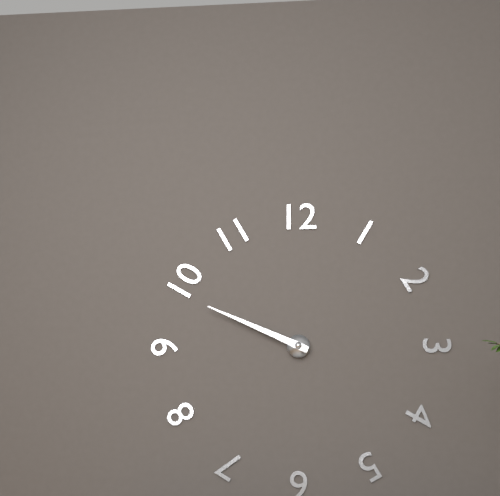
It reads **9:49**
